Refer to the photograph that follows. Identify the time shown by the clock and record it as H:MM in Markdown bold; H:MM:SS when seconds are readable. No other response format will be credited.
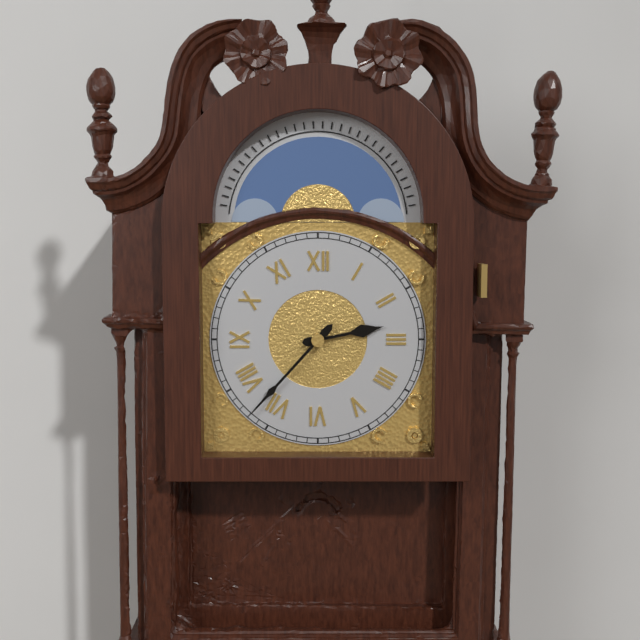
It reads **2:37**
